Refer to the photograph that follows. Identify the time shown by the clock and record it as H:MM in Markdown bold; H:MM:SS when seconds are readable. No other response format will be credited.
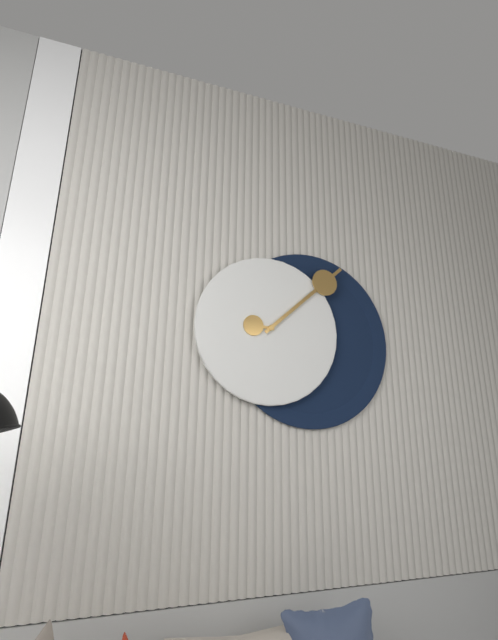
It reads **9:08**
